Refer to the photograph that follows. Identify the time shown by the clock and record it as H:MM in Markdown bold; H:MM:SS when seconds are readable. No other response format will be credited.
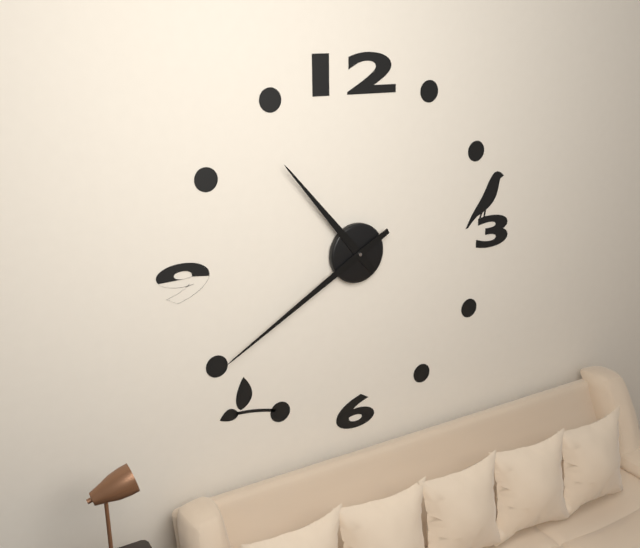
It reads **10:40**
